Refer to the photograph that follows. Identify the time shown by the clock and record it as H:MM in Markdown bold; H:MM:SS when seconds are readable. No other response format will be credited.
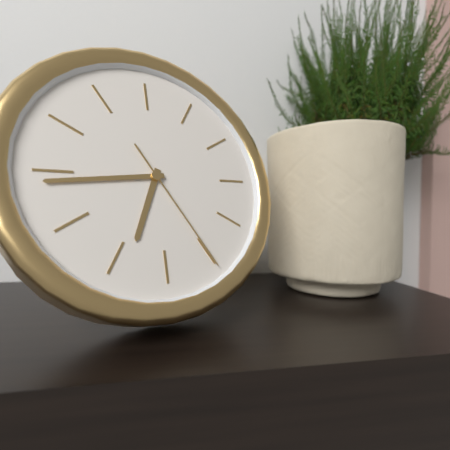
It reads **6:44:25**
